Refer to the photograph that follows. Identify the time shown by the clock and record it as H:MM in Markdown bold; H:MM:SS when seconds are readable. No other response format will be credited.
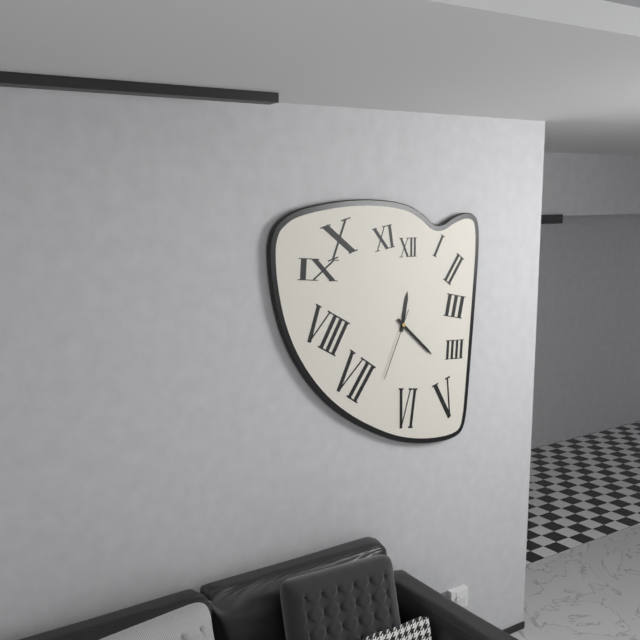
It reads **12:22:34**
